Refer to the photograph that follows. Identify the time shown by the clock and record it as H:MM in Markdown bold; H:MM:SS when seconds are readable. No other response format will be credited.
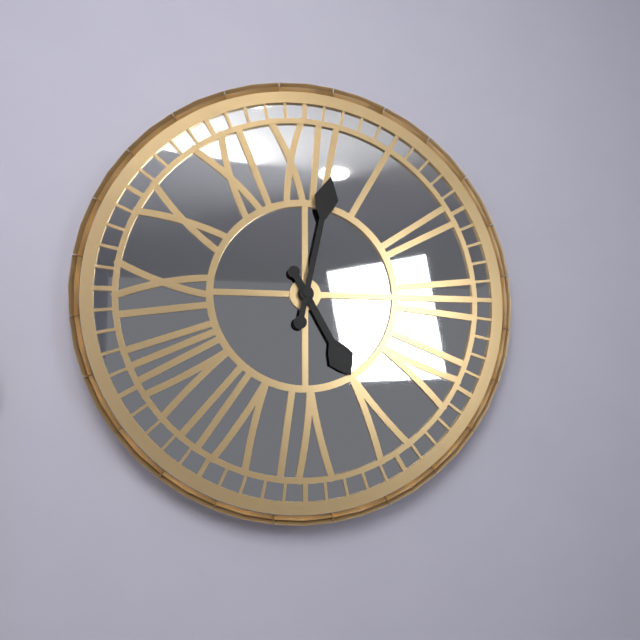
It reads **5:02**
